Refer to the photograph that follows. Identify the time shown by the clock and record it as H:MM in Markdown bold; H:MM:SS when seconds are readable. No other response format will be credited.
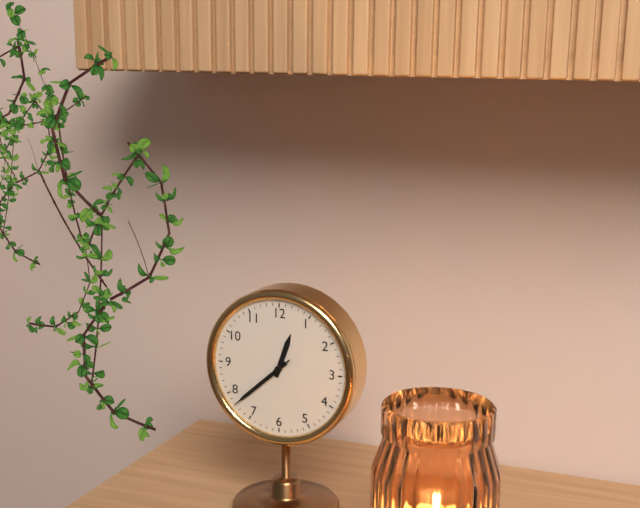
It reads **12:38:38**
